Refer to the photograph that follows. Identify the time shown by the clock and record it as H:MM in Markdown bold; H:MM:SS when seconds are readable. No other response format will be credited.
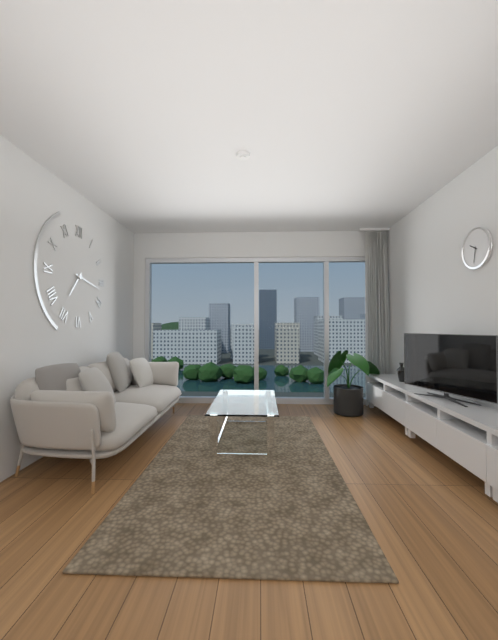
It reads **7:17**
